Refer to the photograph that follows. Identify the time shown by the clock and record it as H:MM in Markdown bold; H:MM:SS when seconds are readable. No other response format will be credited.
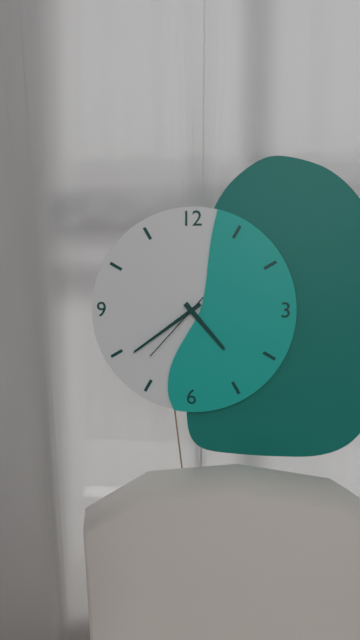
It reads **4:39:37**
